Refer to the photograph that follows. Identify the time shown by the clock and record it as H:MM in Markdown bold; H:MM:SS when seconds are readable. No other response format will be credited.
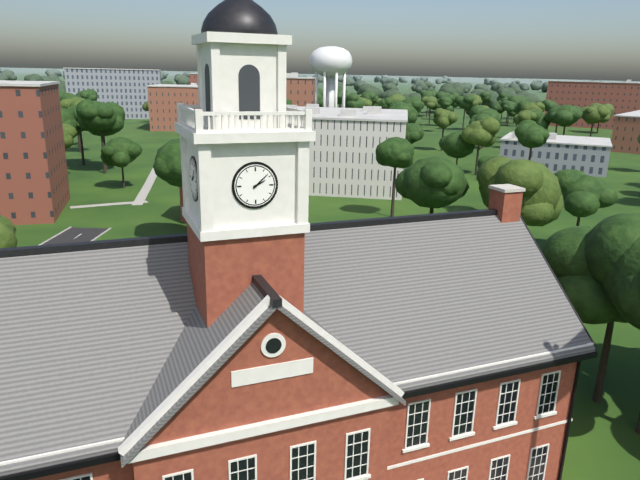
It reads **2:08**
